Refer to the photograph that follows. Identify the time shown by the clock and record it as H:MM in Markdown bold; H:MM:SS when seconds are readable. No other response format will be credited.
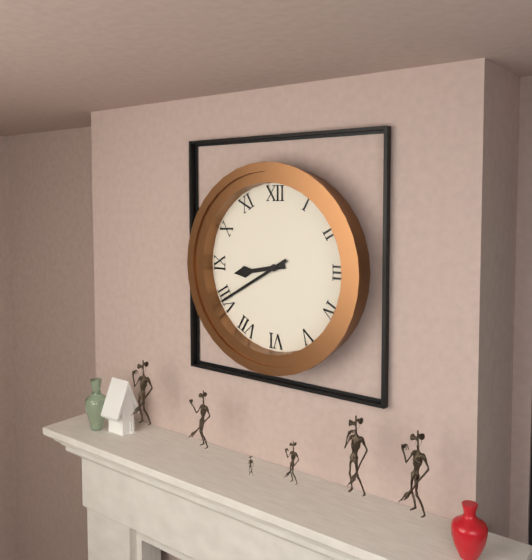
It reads **8:40**
